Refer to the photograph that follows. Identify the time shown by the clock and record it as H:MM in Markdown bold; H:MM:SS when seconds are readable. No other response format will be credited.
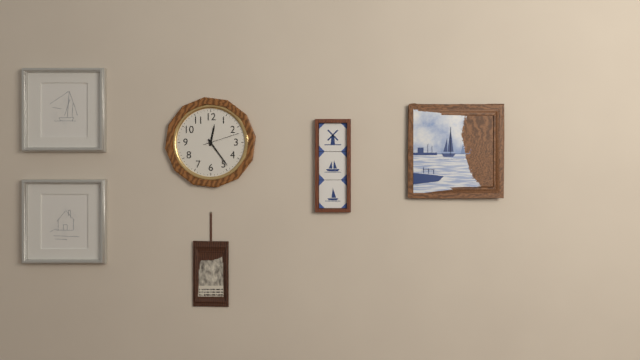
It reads **12:24**
